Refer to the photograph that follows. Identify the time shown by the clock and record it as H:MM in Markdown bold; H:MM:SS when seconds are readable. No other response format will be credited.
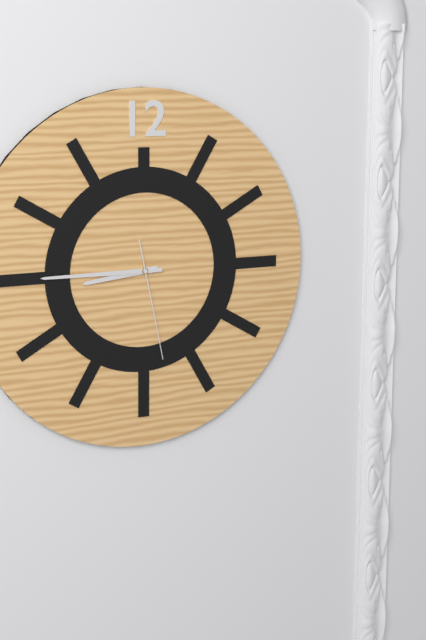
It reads **8:45:28**
